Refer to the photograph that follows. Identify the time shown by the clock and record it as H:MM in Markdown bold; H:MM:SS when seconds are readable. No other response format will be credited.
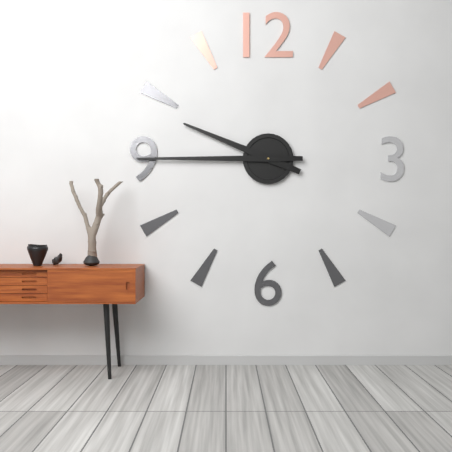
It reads **9:45**
